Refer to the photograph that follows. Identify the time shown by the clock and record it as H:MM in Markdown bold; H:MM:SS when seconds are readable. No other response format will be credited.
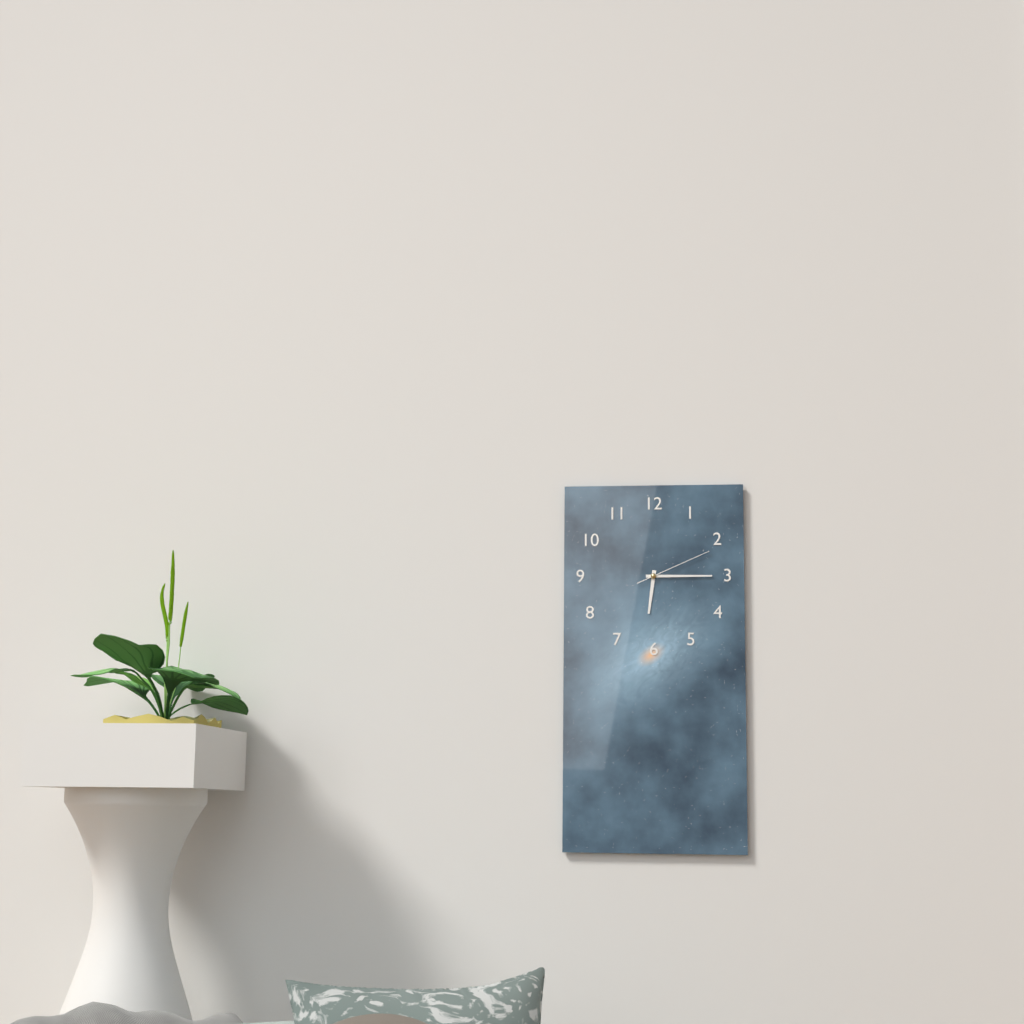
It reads **6:15:11**
